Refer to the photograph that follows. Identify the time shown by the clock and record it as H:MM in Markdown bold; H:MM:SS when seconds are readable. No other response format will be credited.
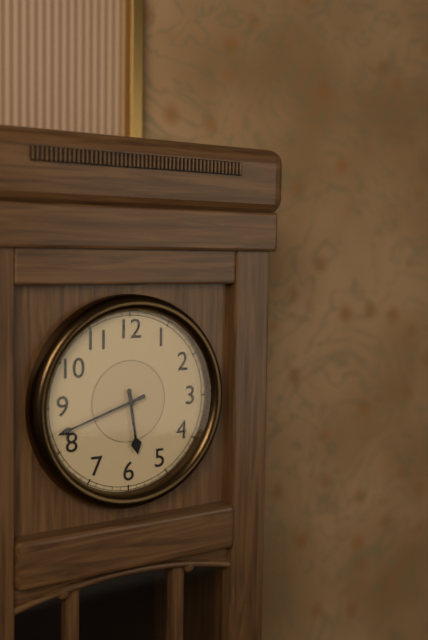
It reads **5:42**
